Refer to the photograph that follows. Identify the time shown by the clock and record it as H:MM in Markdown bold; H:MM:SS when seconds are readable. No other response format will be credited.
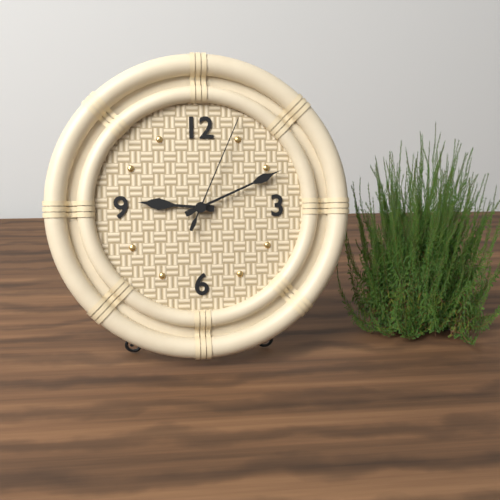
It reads **9:11:04**
